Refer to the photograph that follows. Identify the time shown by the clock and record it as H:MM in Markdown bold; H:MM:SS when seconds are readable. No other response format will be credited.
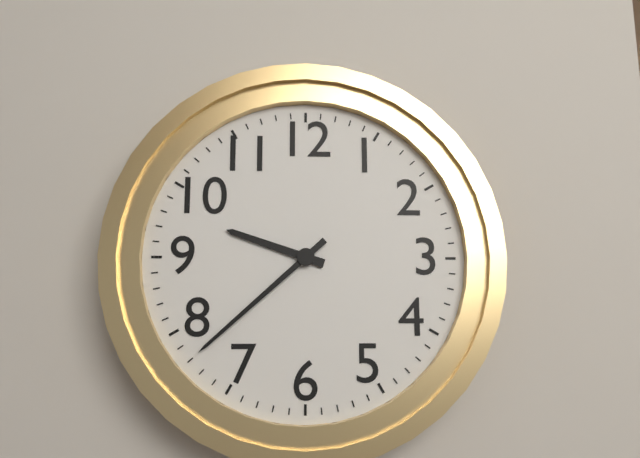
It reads **9:38**
